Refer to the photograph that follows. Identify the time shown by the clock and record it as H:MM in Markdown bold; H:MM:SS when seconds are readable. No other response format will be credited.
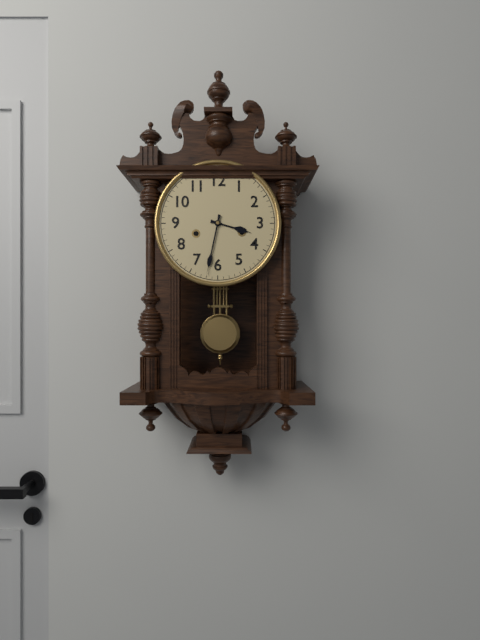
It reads **3:32**
